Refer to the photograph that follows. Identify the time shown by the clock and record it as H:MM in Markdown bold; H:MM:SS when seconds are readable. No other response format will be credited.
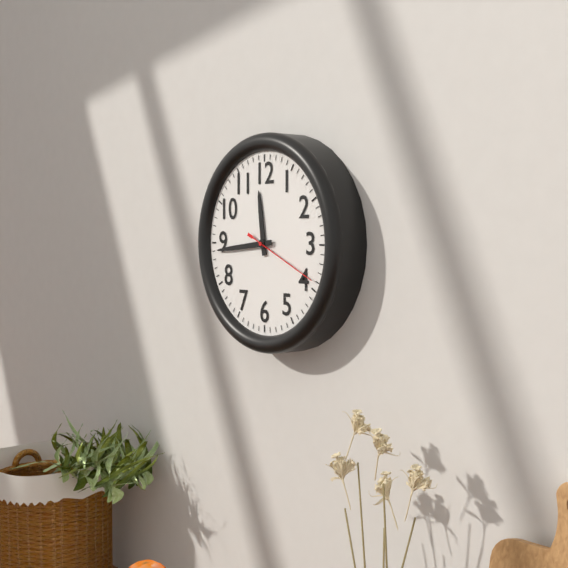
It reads **11:44:19**
